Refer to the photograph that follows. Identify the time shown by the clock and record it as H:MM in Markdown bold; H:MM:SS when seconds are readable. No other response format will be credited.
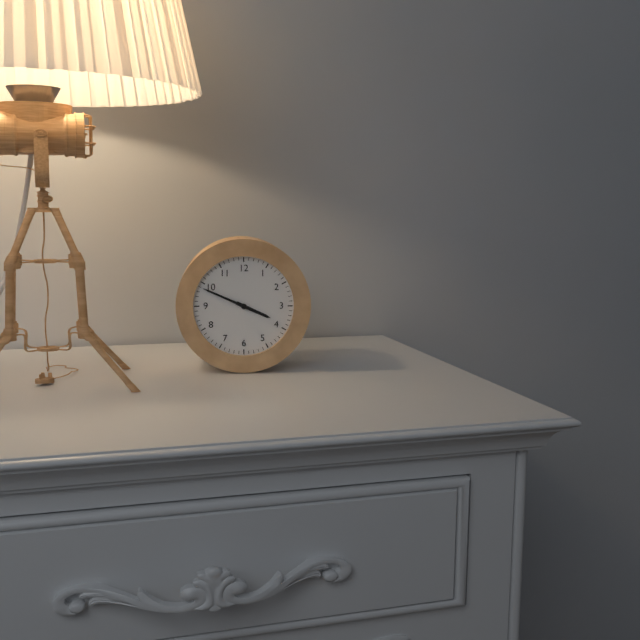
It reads **3:49**
